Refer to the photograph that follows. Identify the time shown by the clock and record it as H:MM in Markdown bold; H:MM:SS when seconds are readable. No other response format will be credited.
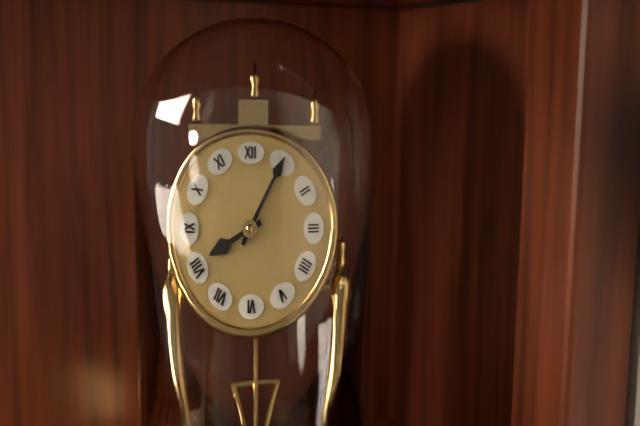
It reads **8:05**
